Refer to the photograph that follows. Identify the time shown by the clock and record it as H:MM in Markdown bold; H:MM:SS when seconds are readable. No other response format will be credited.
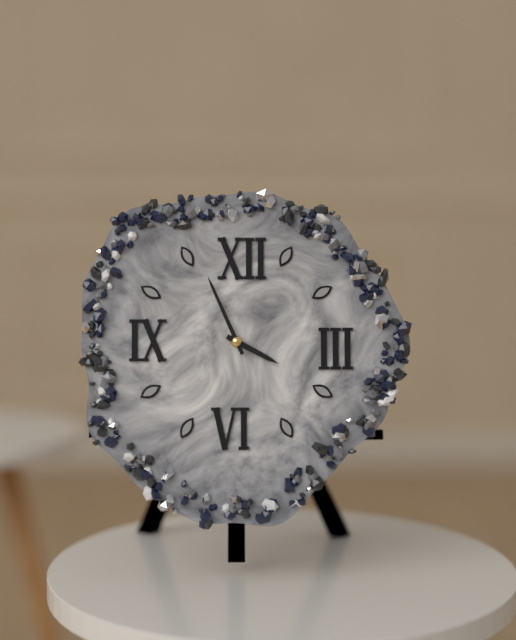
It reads **3:56**
